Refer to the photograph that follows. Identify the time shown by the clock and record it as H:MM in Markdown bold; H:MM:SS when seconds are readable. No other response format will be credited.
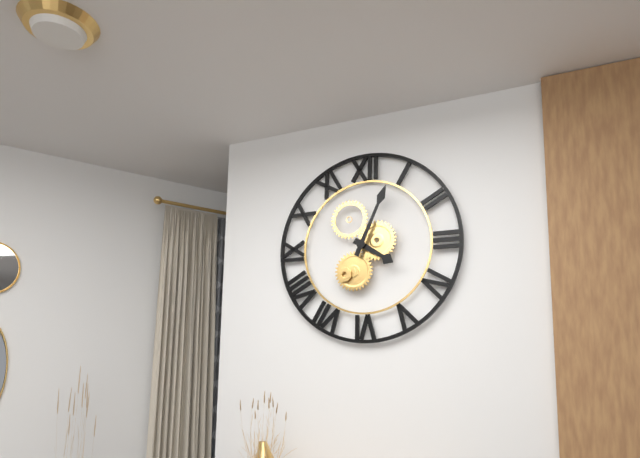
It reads **4:04**
